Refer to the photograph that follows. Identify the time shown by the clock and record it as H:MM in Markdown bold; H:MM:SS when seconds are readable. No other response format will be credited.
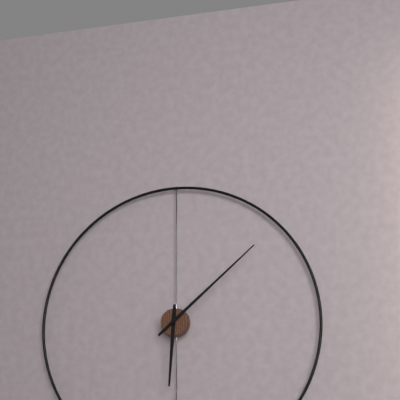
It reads **6:08**
